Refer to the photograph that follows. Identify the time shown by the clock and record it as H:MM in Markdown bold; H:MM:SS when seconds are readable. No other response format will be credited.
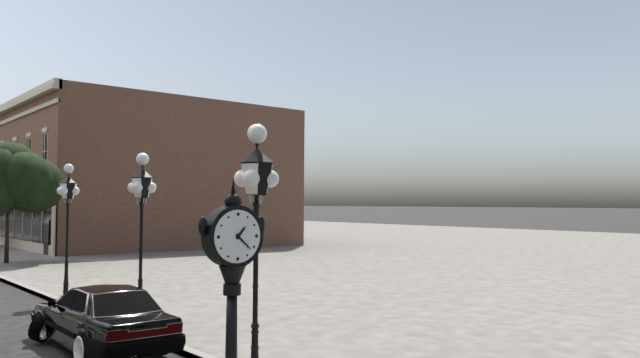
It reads **1:22**
